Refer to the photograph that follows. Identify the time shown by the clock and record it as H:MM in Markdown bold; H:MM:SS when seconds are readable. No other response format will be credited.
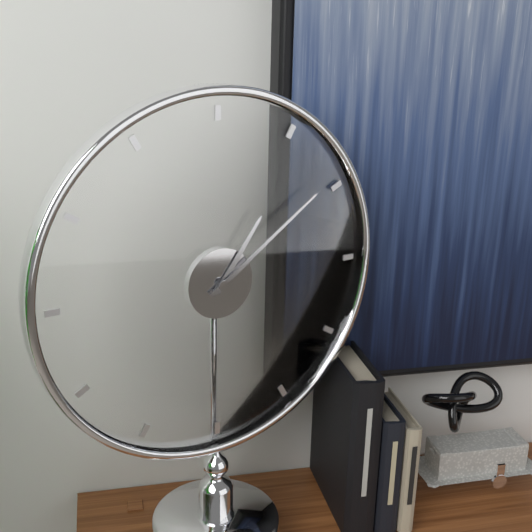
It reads **1:09**
